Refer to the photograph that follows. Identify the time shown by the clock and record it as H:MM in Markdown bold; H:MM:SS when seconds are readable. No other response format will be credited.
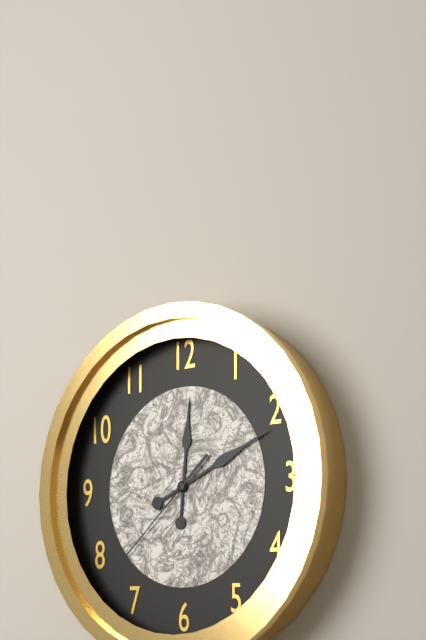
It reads **12:11:38**
